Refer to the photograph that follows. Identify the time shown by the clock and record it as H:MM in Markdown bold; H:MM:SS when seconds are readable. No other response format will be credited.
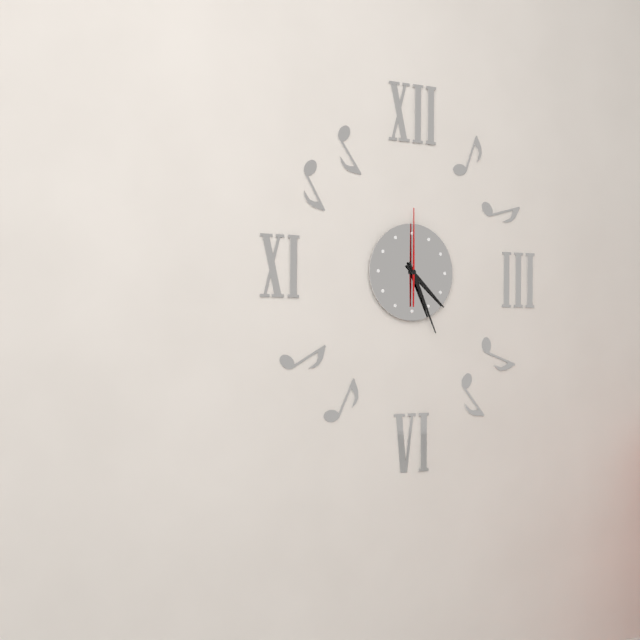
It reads **4:26:00**
